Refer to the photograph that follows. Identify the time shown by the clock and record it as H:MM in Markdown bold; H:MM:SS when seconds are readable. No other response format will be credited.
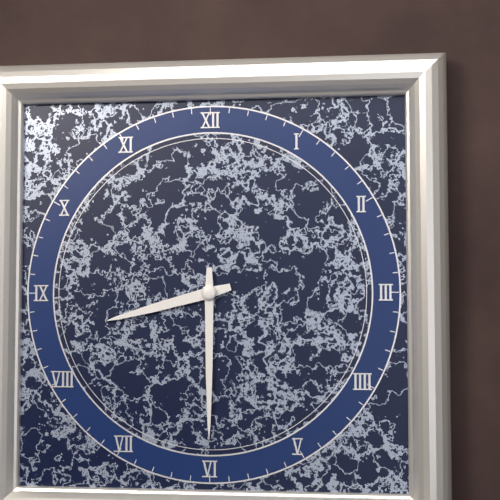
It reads **8:30**
